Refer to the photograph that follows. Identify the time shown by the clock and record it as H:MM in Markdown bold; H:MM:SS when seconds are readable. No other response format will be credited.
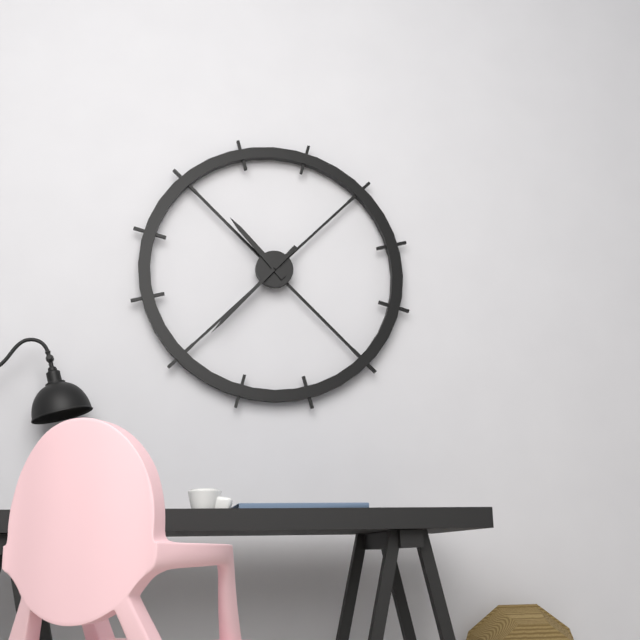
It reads **10:37**
